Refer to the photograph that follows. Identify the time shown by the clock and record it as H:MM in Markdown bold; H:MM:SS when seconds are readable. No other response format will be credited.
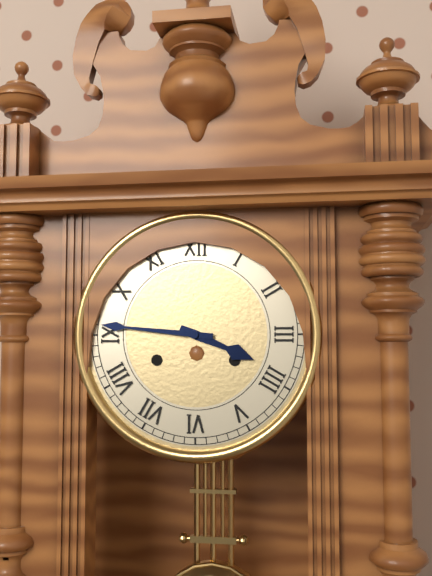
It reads **3:46**
